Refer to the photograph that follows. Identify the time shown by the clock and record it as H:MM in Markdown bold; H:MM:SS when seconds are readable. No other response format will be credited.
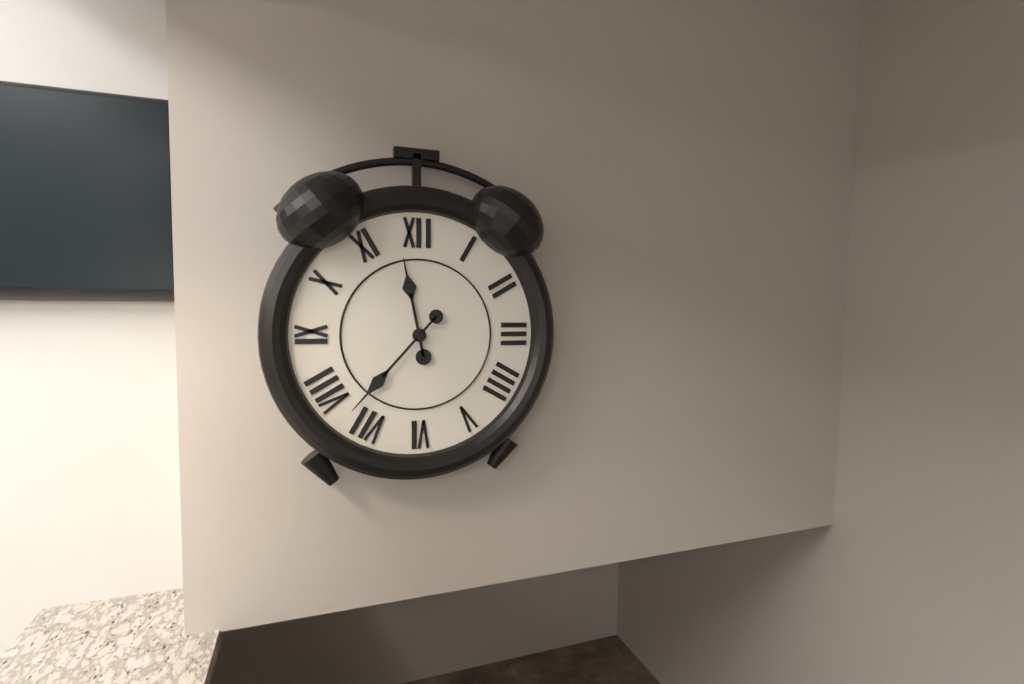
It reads **11:37**
